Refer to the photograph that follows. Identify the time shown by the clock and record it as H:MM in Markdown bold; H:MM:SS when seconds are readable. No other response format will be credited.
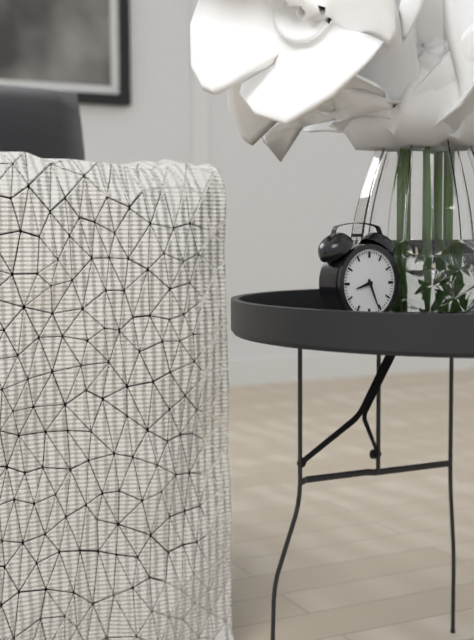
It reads **8:26**
